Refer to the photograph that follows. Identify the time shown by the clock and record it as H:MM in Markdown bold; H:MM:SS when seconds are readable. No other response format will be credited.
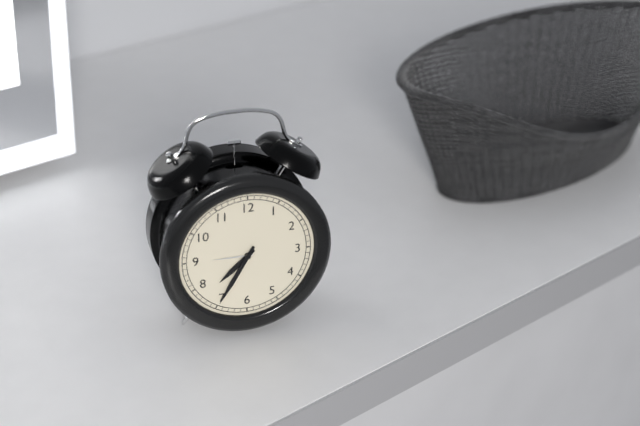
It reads **7:35**
